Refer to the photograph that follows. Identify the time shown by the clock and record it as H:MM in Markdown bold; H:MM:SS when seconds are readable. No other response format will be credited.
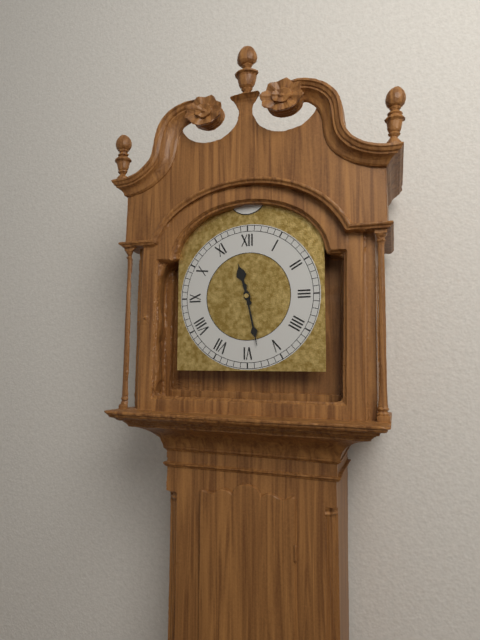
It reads **11:28**
